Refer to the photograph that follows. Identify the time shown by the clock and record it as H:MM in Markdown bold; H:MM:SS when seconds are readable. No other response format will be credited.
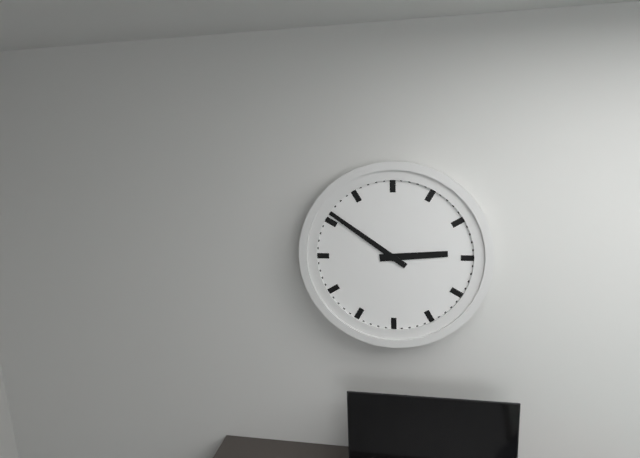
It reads **2:51**
